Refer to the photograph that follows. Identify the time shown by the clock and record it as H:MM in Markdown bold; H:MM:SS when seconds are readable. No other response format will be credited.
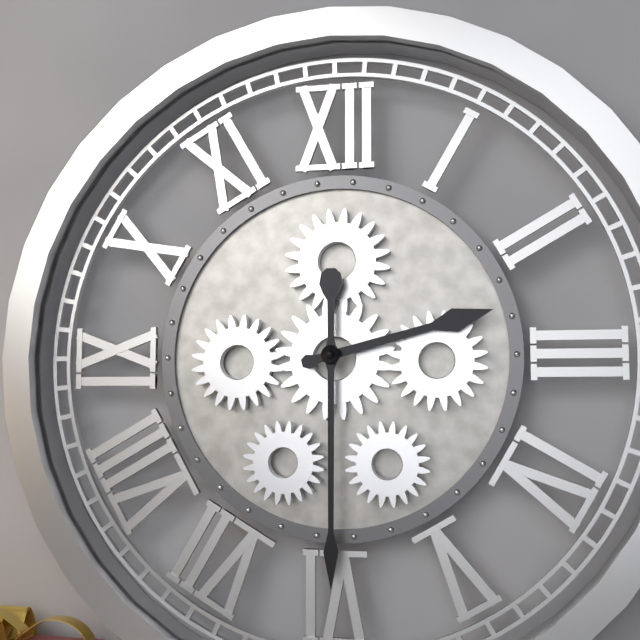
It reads **2:30**
